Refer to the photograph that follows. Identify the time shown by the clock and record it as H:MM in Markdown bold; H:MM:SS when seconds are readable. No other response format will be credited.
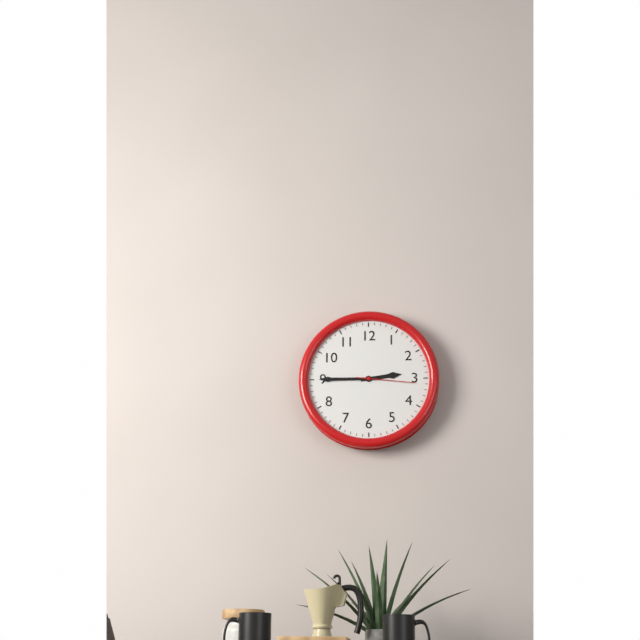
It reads **2:45:16**
